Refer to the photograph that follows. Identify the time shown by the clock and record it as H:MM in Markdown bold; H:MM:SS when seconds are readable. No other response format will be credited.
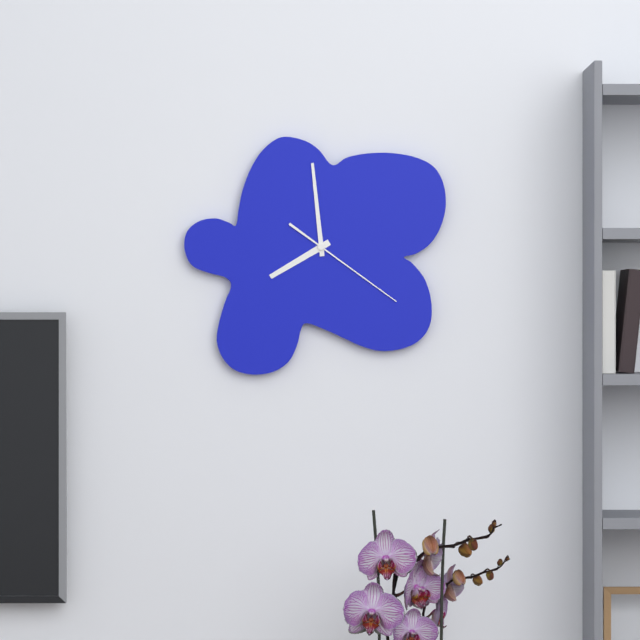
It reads **7:59:21**
